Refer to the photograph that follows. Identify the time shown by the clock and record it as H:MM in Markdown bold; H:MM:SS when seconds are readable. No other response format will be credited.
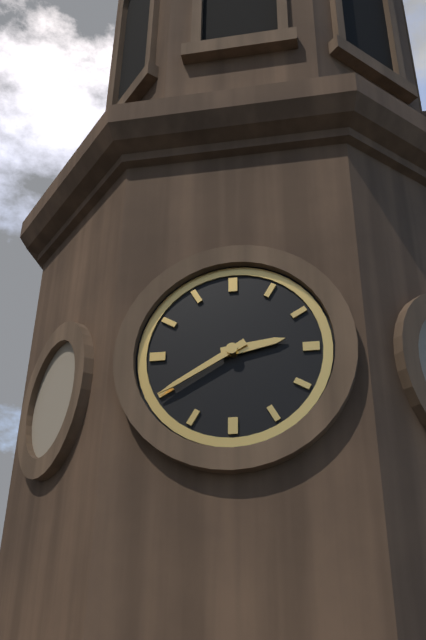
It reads **2:40**
